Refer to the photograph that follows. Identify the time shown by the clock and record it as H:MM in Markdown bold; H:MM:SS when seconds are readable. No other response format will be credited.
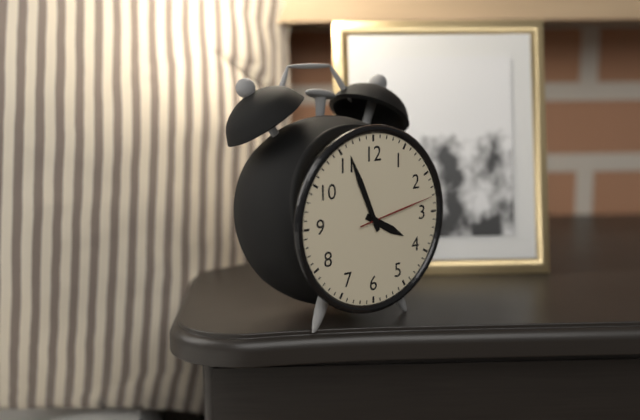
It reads **3:56:13**
